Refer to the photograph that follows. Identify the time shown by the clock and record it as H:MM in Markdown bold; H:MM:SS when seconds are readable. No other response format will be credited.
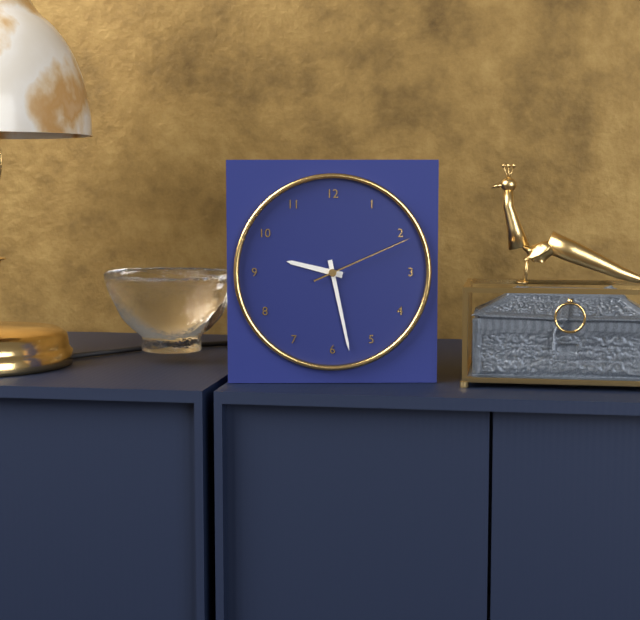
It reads **9:28:11**
